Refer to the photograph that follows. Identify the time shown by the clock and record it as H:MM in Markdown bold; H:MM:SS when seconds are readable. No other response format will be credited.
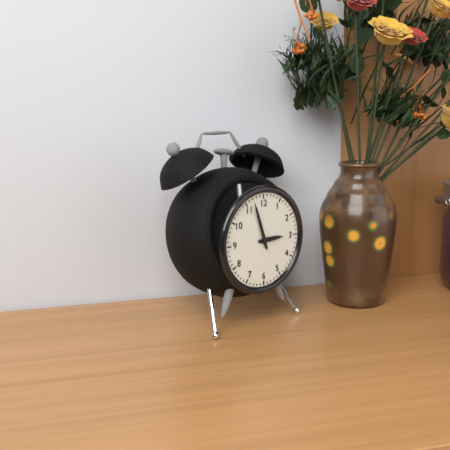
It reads **2:57**
